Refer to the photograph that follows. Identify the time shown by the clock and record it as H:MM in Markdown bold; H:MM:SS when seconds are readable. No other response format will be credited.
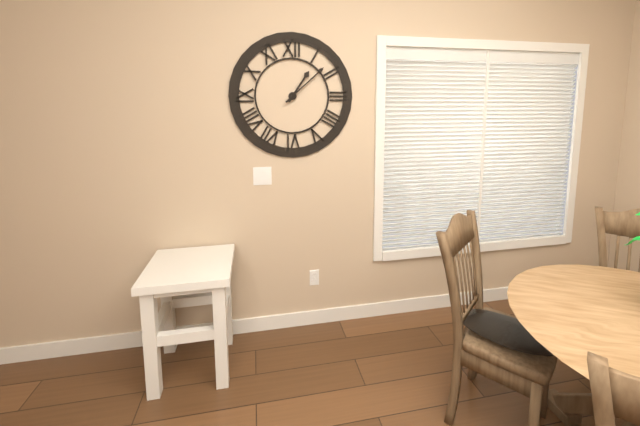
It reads **1:08**
